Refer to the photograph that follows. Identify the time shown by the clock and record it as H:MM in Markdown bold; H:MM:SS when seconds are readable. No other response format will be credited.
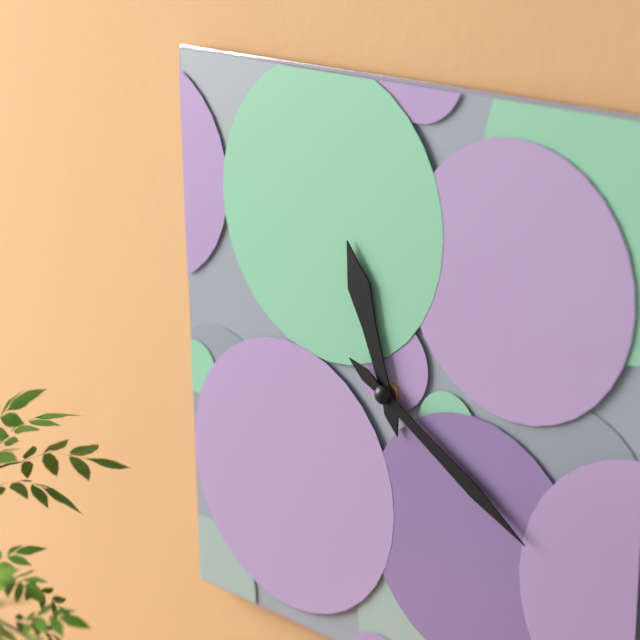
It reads **11:20**
